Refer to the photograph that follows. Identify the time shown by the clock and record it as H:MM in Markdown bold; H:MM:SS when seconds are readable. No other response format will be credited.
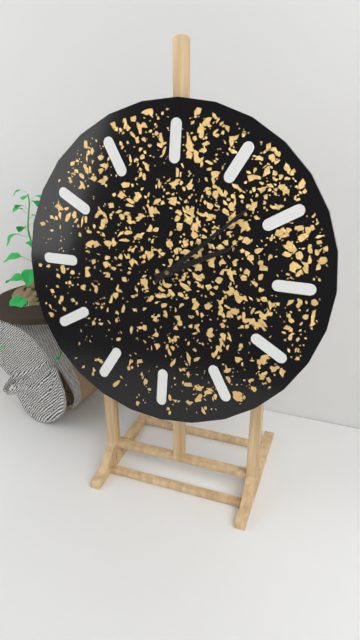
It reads **2:08**
